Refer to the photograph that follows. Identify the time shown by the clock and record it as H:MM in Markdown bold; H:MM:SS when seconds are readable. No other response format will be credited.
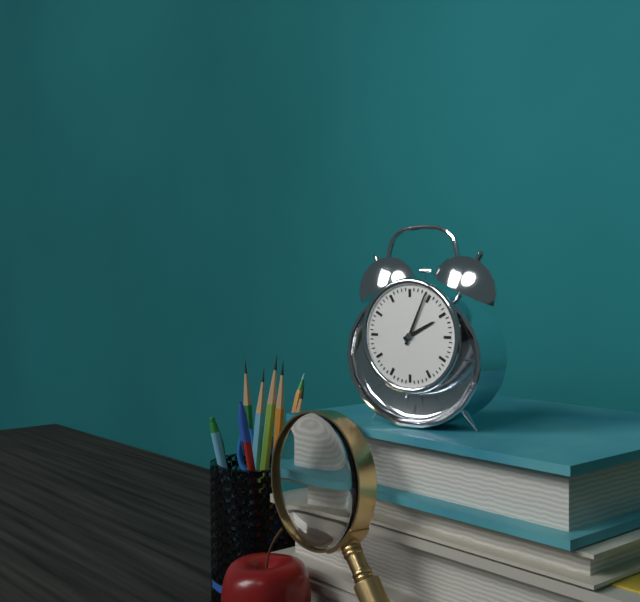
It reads **2:04**
